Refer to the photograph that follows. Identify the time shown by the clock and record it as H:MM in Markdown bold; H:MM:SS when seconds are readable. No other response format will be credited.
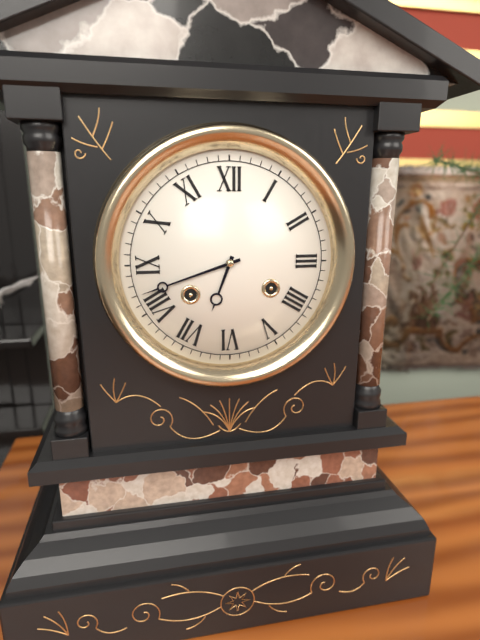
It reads **6:42**
